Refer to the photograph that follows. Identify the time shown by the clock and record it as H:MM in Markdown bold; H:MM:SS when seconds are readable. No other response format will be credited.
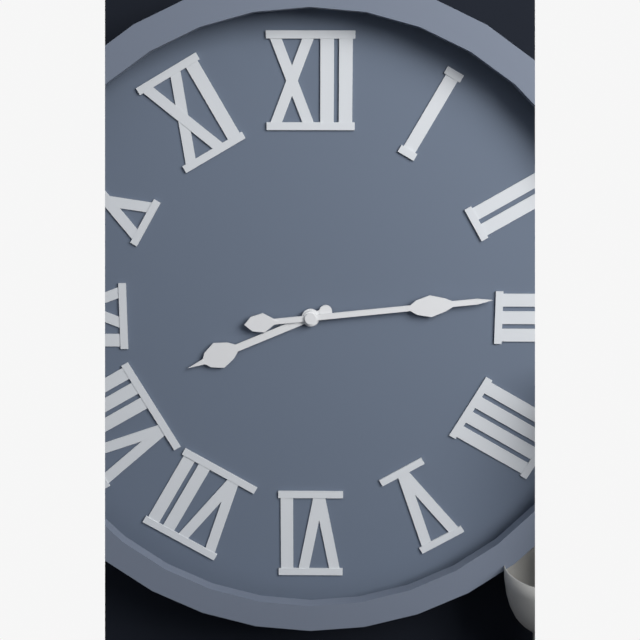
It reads **8:14**
